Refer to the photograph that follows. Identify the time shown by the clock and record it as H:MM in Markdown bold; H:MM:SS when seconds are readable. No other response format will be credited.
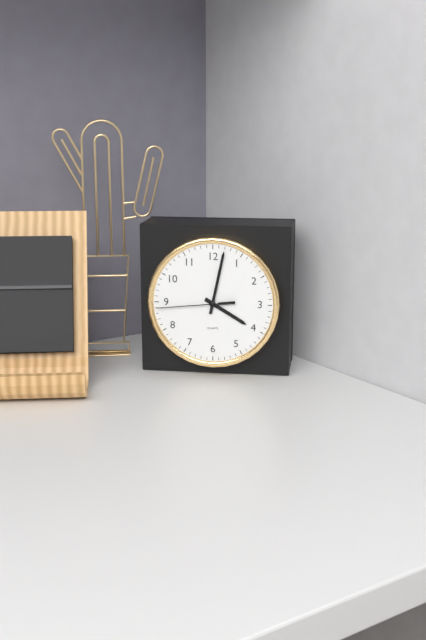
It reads **4:02:44**
